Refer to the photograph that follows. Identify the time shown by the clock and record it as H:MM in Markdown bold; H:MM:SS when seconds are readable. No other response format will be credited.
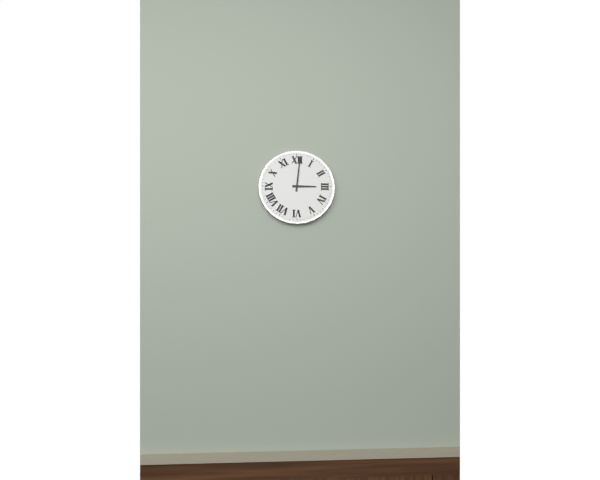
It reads **3:01**
